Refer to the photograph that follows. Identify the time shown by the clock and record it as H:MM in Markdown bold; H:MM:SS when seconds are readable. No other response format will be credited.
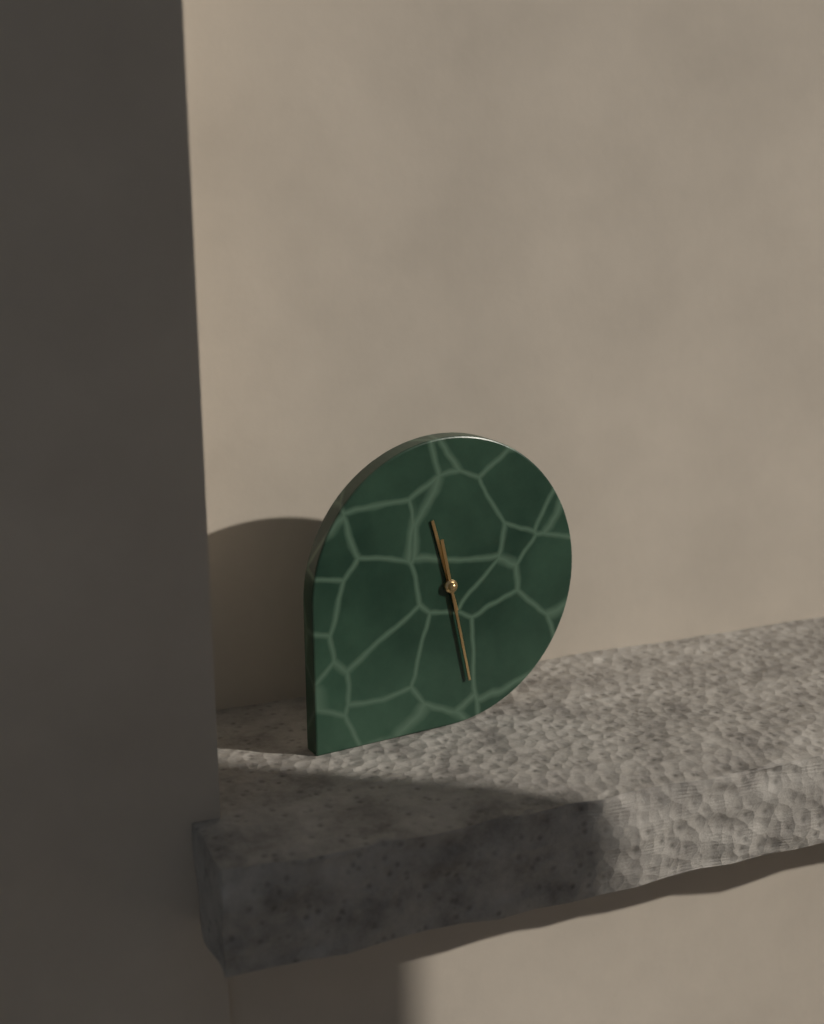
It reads **11:28**
